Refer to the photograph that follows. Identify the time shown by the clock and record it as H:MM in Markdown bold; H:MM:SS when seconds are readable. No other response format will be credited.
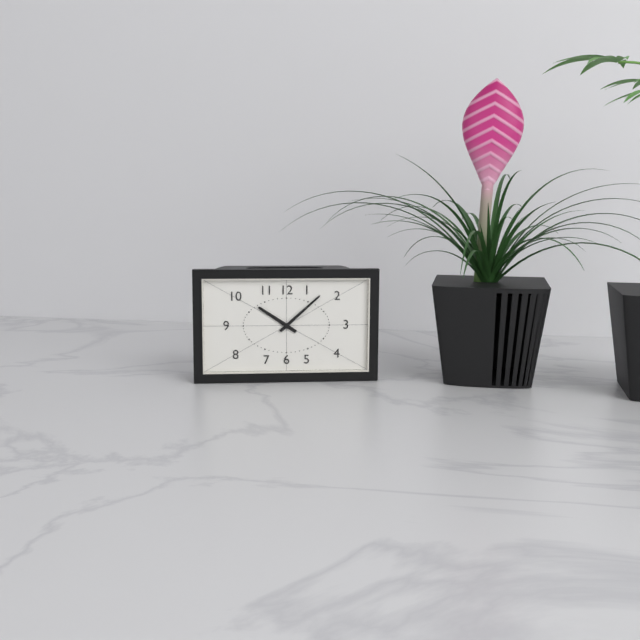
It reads **10:08**
